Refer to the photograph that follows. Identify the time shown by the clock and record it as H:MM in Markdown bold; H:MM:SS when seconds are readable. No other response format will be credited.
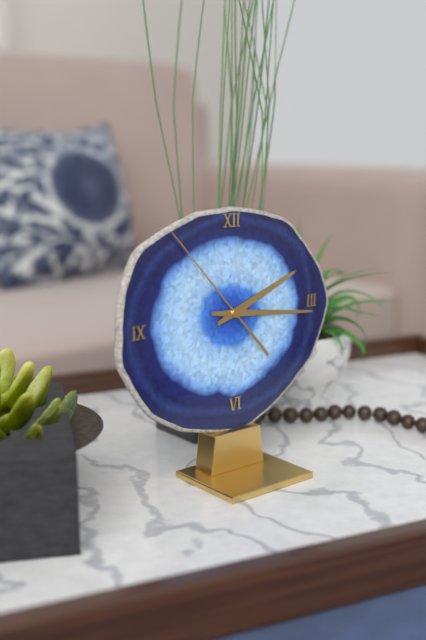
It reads **2:16:53**
